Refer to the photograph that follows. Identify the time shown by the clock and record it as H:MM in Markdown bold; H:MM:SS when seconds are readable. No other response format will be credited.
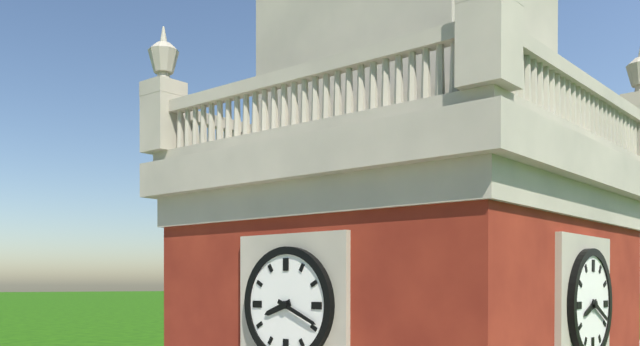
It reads **8:19**
